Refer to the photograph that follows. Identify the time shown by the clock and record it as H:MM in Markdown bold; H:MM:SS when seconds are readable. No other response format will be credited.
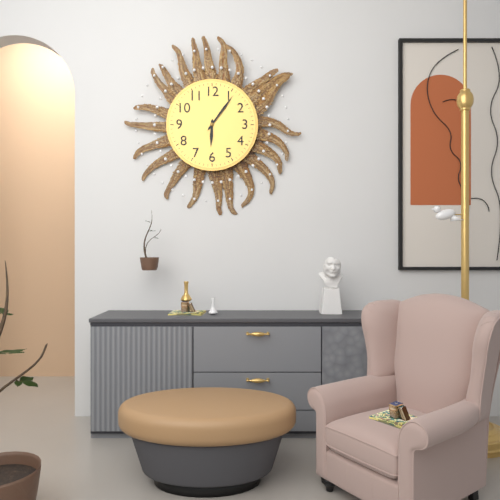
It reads **6:06**
